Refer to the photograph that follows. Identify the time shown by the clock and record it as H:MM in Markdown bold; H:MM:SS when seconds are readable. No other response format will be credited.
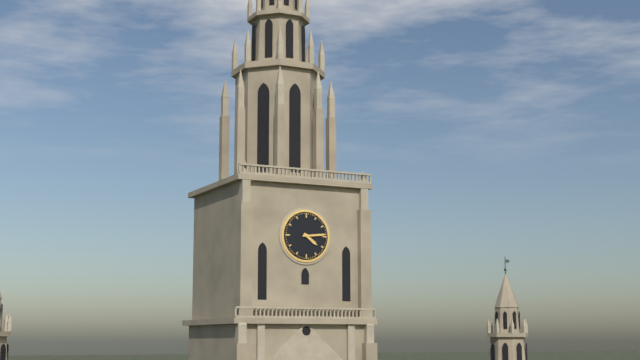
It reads **4:14**
